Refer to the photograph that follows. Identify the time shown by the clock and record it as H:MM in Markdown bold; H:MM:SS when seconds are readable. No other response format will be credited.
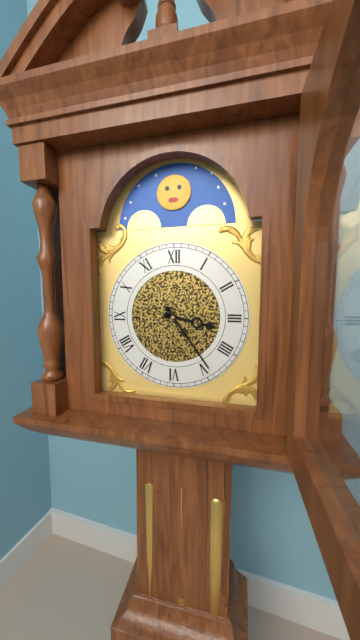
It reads **3:24**
